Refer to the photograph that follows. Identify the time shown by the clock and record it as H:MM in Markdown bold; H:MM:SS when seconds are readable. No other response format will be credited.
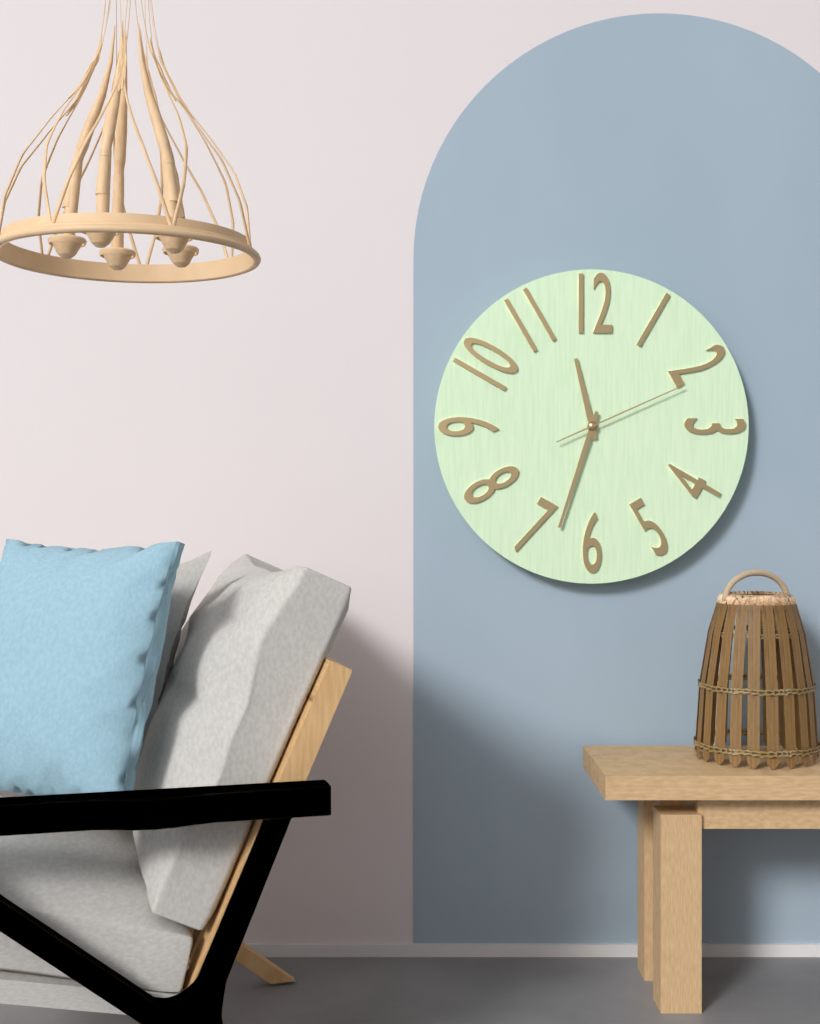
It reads **11:33:11**
